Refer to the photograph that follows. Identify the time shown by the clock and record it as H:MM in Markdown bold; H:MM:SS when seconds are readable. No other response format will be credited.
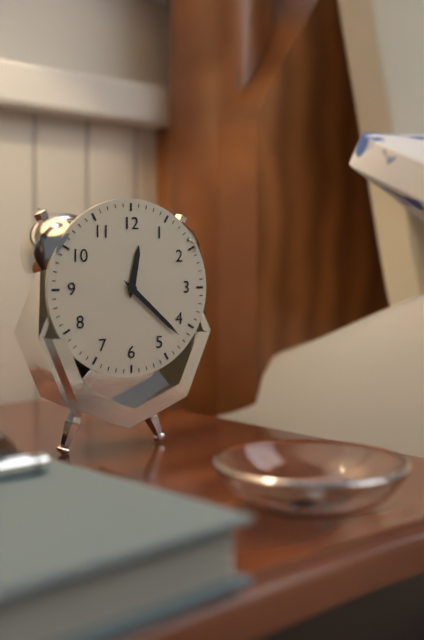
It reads **12:22**
